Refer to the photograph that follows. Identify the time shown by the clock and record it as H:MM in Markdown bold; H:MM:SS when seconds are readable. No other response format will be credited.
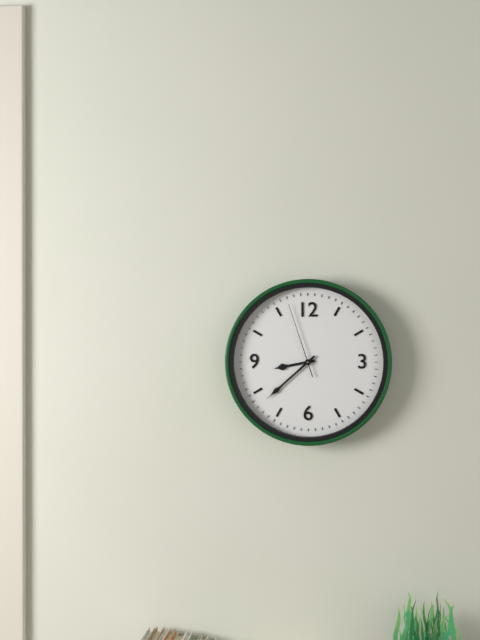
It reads **8:38:57**
